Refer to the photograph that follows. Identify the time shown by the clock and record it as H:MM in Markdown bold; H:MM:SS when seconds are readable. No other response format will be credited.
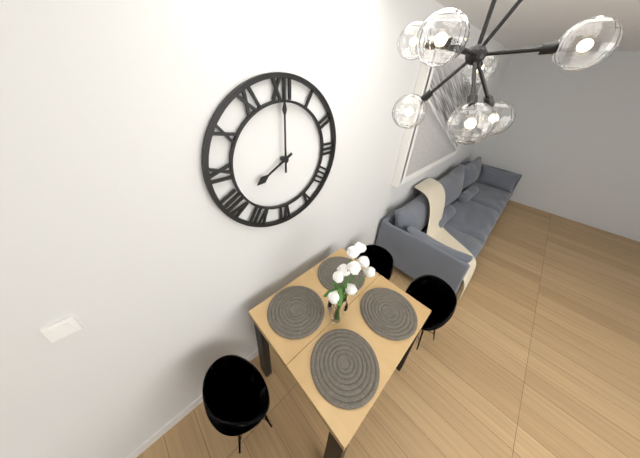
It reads **8:00**
